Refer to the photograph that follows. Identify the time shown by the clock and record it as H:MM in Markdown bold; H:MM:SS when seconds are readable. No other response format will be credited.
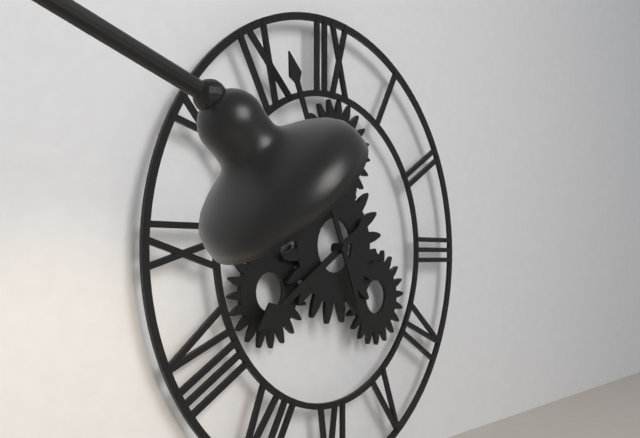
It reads **7:56**
